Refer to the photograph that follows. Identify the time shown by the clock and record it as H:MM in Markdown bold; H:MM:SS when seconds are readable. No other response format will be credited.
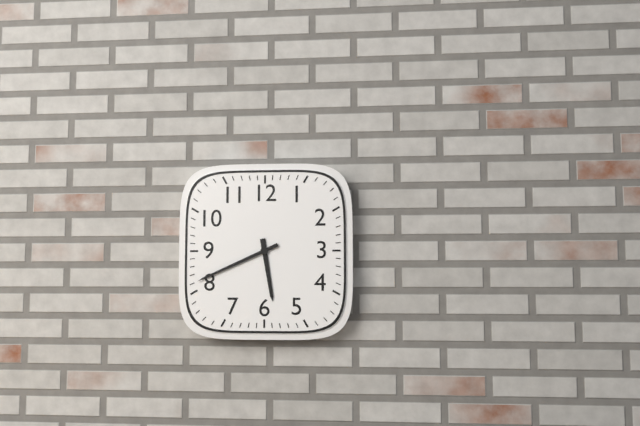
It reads **5:41**
